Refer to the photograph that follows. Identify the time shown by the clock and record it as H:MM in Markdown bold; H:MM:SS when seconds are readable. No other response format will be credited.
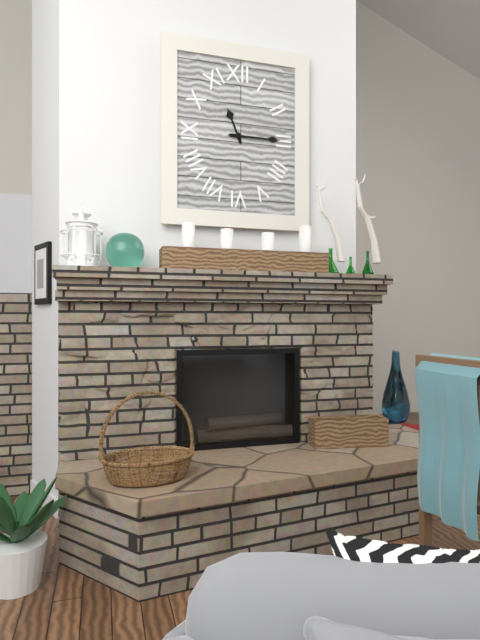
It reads **11:15**
